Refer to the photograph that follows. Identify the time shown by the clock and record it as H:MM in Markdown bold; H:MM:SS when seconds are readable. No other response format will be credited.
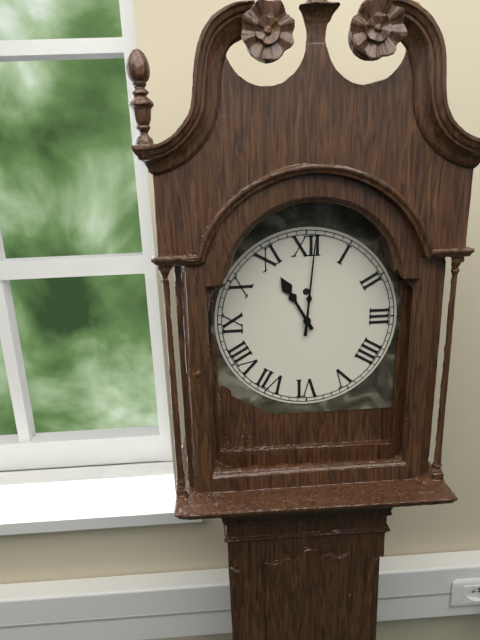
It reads **11:01**
